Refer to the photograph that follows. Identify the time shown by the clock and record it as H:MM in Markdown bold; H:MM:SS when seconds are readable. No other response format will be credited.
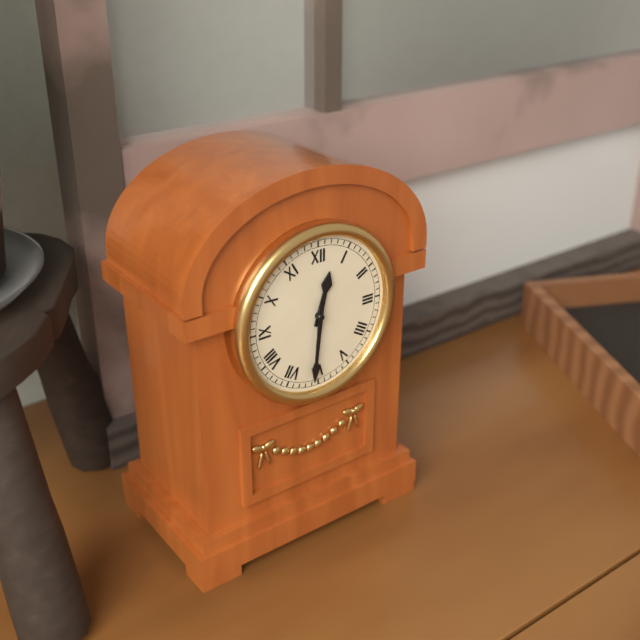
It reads **12:31**
